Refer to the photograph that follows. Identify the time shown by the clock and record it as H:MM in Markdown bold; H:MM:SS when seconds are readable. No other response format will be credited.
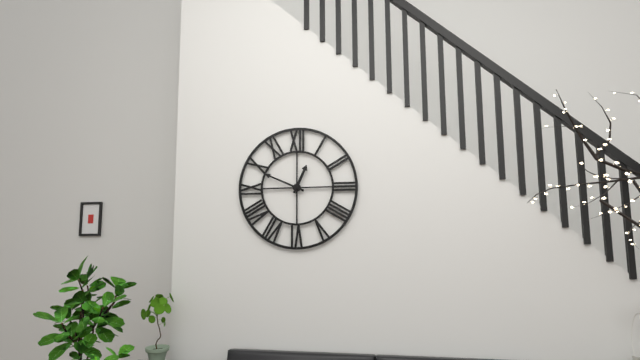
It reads **12:49**
